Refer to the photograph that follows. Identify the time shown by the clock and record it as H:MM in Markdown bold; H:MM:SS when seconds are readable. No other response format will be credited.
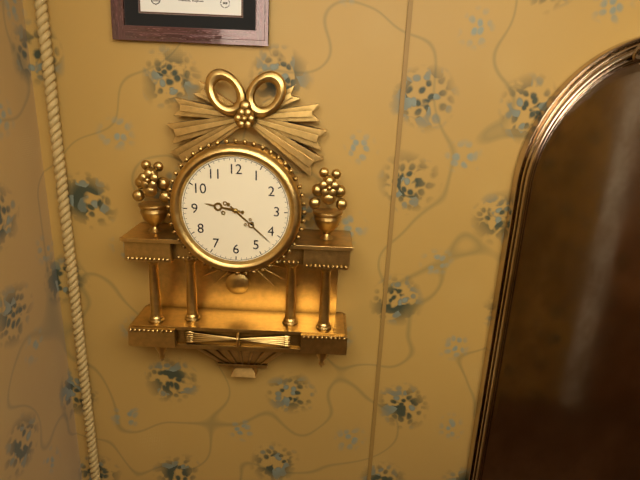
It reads **9:22**
